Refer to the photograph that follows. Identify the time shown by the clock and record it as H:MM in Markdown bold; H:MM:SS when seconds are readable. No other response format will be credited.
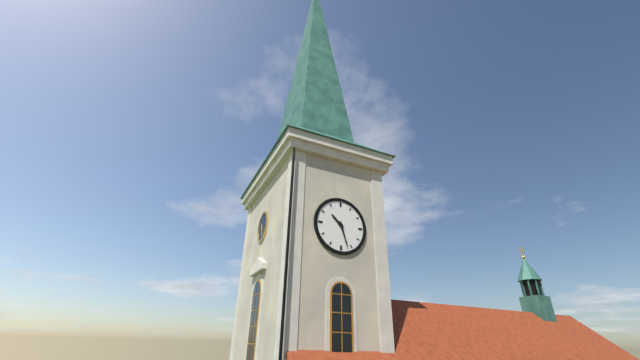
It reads **10:27**
